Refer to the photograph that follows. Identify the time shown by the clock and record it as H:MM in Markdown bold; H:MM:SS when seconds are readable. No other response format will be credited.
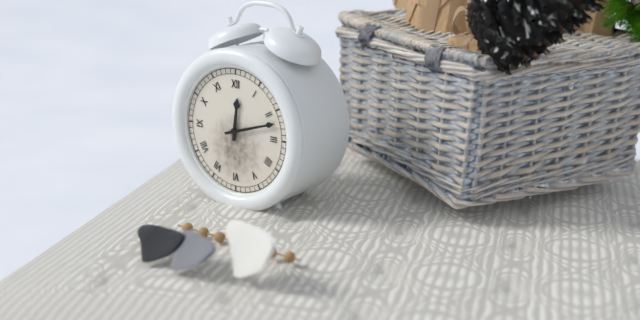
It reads **12:12**
